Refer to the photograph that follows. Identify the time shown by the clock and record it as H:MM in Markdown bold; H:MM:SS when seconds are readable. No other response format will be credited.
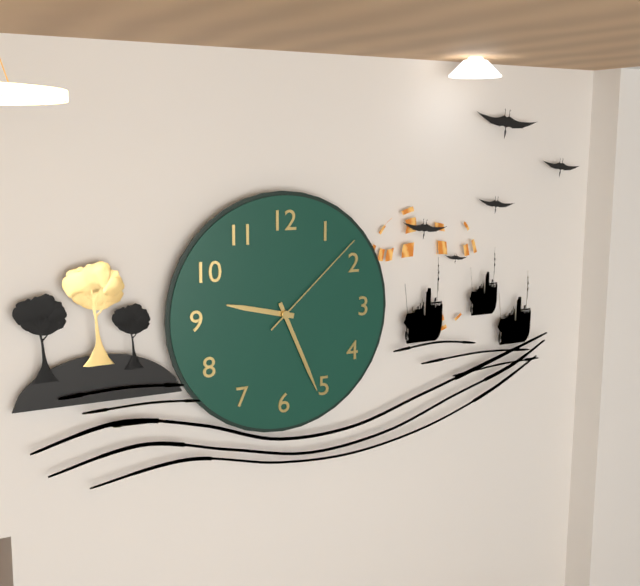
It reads **9:26:08**
